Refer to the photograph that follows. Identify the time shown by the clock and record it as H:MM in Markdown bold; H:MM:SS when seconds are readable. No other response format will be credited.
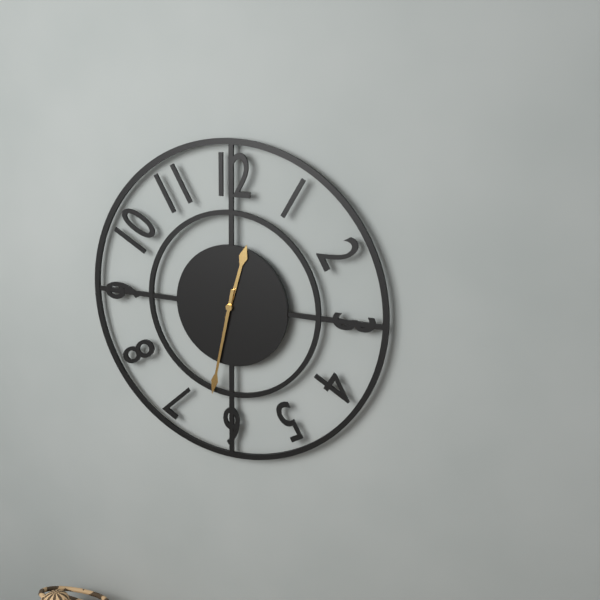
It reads **12:32**
